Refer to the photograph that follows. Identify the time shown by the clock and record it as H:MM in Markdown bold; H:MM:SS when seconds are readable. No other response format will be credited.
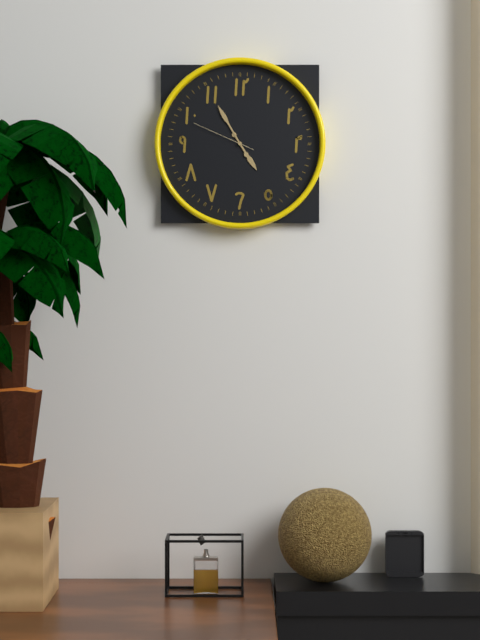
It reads **4:55:49**
